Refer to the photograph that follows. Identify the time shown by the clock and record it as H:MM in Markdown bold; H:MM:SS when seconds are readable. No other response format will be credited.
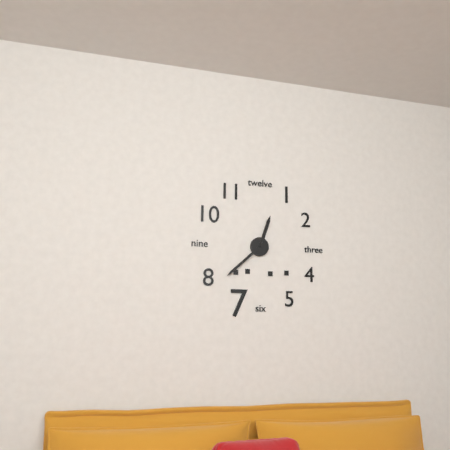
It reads **12:38**
